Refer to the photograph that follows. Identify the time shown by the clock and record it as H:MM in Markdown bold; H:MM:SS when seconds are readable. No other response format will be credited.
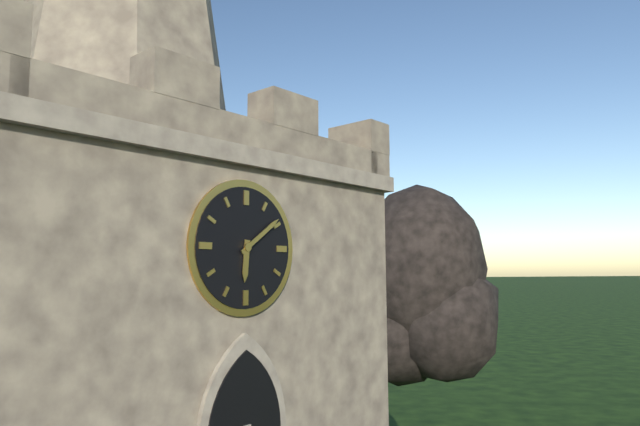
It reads **6:09**
